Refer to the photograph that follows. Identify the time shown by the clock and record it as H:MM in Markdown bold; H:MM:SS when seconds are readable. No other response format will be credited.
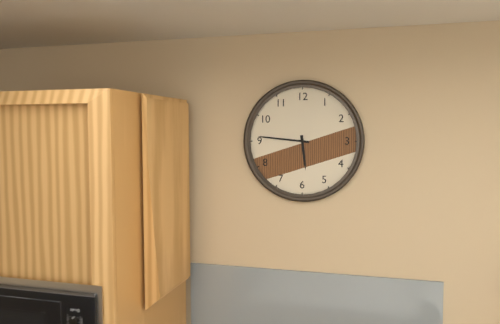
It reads **5:46**
